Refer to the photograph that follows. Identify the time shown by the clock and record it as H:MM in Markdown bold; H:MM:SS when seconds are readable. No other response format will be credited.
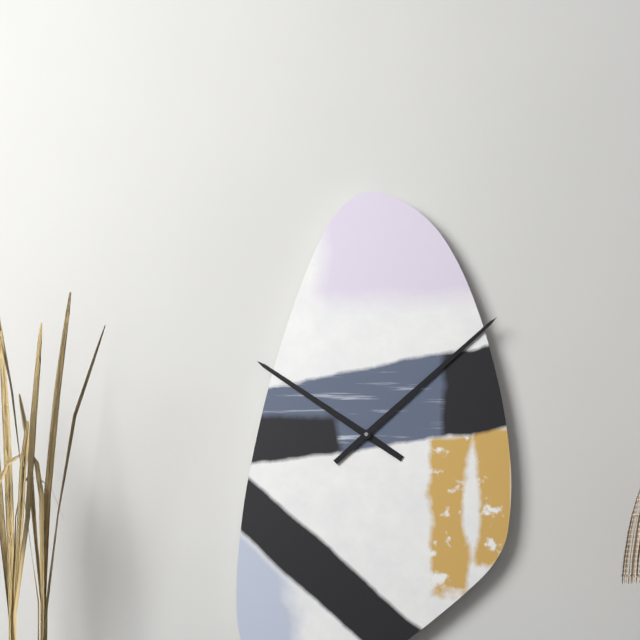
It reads **10:08**
